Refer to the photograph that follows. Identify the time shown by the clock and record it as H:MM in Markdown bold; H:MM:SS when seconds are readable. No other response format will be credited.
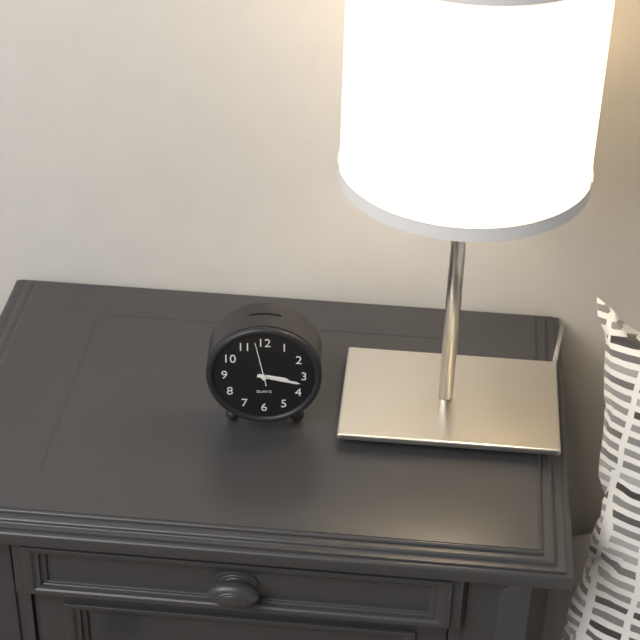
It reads **3:17**
